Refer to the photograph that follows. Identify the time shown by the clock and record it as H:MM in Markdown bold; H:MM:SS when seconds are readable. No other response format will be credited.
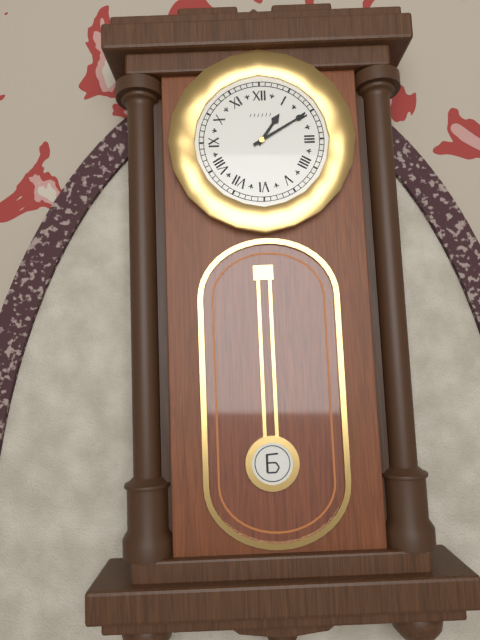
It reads **1:10**
